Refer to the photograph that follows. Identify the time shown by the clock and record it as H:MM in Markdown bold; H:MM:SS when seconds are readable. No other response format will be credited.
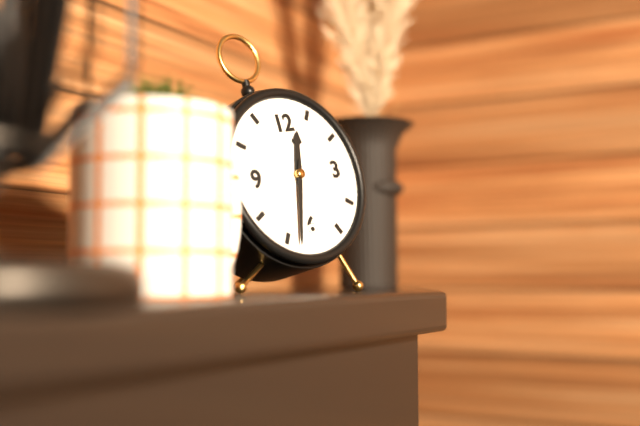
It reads **12:33**
